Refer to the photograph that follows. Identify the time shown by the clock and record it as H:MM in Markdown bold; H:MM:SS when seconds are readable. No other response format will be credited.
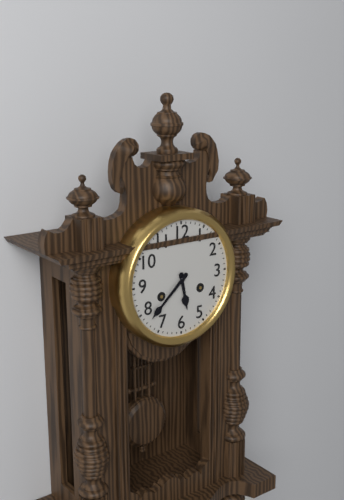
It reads **5:38**
